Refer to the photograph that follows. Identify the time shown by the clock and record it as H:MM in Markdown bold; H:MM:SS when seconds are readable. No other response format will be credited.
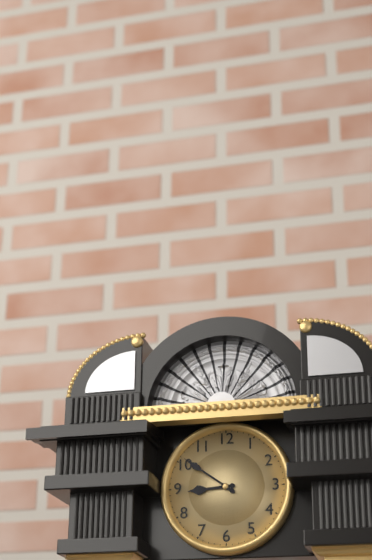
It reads **8:51**
